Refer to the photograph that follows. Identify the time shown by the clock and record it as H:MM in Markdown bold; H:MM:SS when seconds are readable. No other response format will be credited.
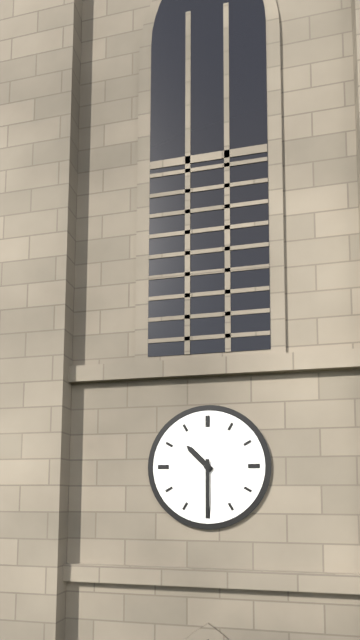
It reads **10:30**
